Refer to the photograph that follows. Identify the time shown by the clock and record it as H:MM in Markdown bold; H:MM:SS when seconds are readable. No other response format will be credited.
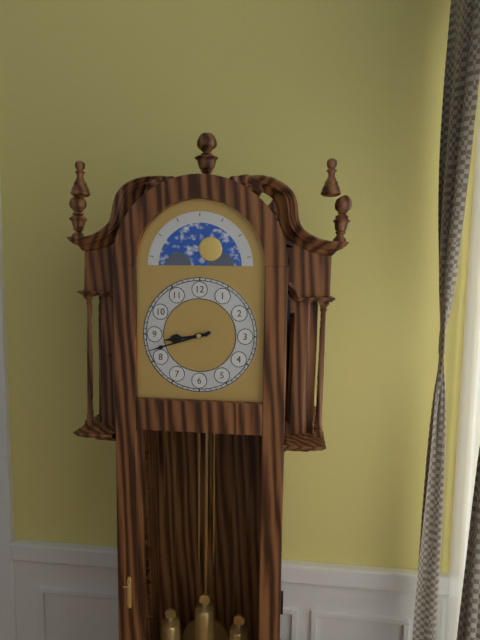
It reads **8:42**
